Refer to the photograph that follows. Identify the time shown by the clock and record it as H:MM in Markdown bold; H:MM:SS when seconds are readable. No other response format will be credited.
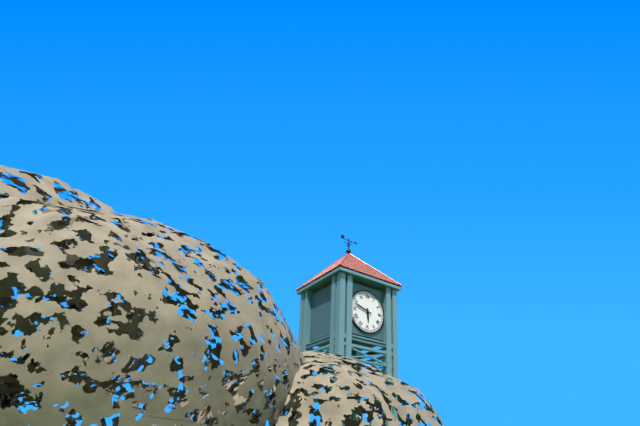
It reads **5:48**
